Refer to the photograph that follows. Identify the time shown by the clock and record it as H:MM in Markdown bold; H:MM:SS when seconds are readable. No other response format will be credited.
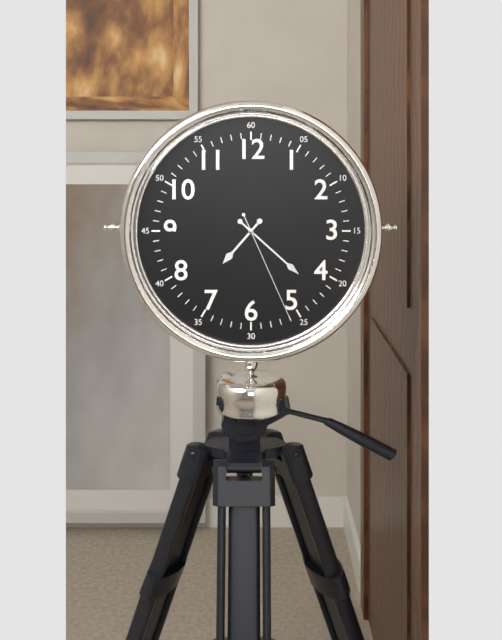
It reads **7:22:26**
